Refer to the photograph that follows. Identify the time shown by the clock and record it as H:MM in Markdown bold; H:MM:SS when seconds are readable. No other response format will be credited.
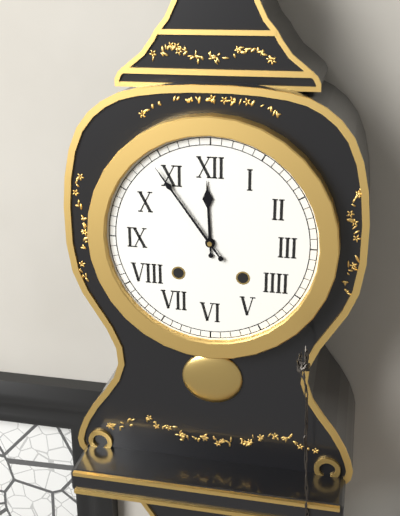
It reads **11:54**
